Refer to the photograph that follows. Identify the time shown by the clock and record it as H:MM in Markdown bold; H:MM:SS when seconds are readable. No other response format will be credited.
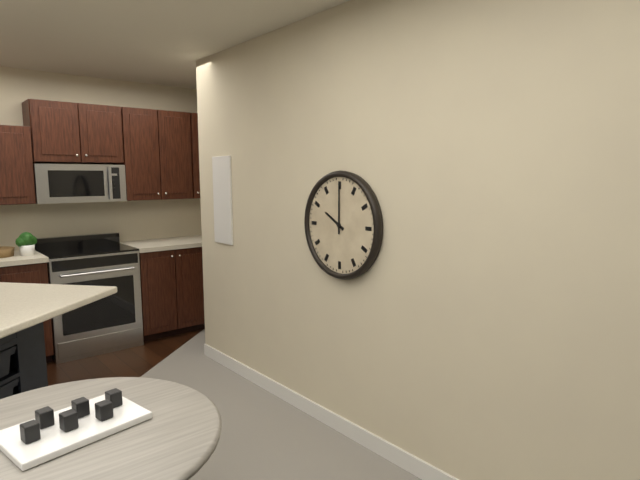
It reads **10:00**
